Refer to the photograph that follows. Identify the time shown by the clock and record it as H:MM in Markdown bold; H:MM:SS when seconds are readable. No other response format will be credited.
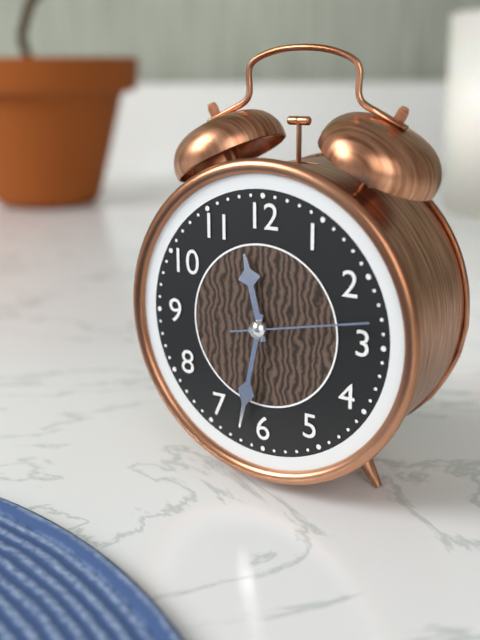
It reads **11:32:13**
